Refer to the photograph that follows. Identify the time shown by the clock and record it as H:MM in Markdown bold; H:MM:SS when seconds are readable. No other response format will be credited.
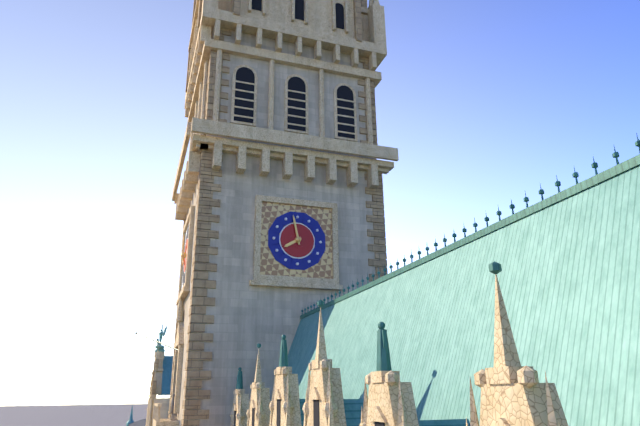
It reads **7:58**
